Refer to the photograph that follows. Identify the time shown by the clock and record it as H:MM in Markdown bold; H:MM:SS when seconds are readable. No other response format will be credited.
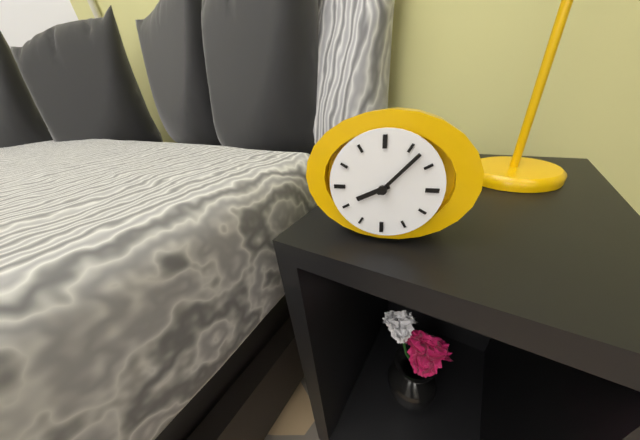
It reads **8:07**
